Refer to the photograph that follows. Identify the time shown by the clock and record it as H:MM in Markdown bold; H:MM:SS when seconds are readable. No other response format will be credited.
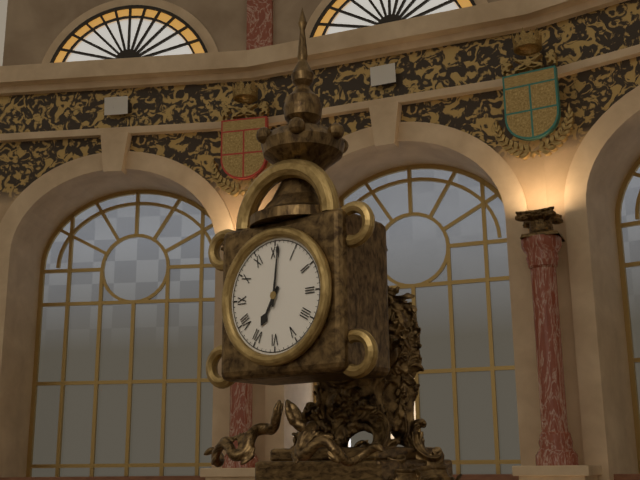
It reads **7:01**
